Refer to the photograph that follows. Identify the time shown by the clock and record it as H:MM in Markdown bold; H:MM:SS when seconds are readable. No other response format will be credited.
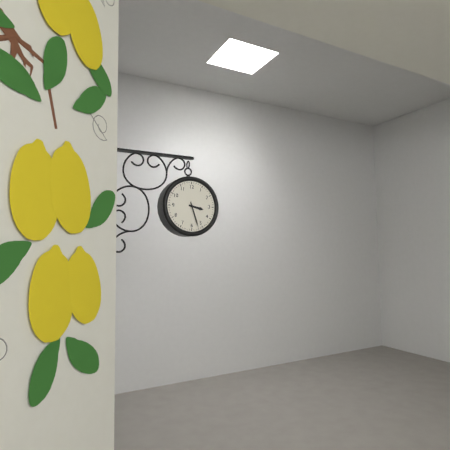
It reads **3:27**
